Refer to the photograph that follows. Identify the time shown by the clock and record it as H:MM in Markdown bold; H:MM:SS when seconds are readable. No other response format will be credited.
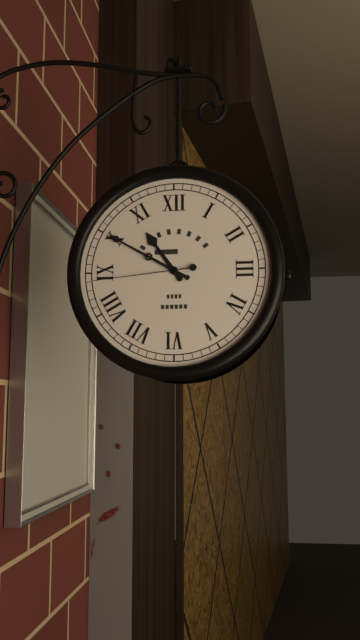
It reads **10:50:44**
